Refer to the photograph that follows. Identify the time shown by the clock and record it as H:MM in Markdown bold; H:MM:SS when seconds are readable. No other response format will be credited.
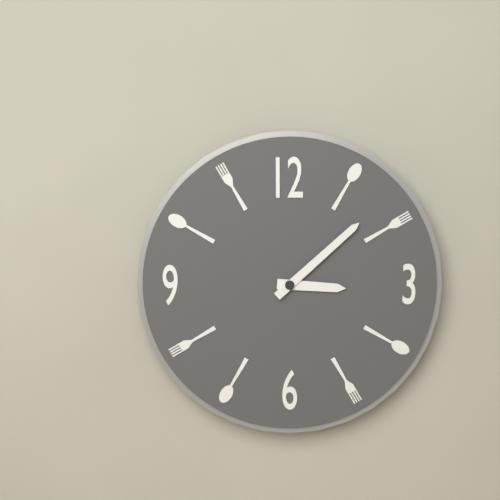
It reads **3:08**
